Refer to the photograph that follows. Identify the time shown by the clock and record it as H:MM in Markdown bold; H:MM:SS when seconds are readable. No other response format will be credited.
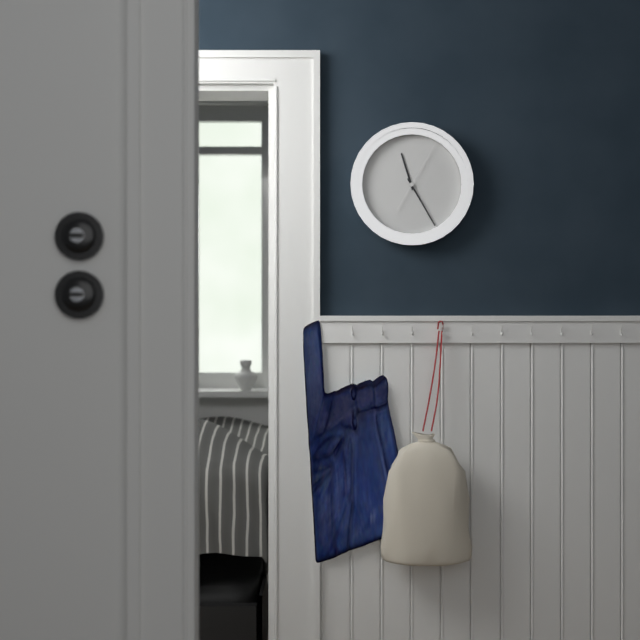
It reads **11:25:05**
